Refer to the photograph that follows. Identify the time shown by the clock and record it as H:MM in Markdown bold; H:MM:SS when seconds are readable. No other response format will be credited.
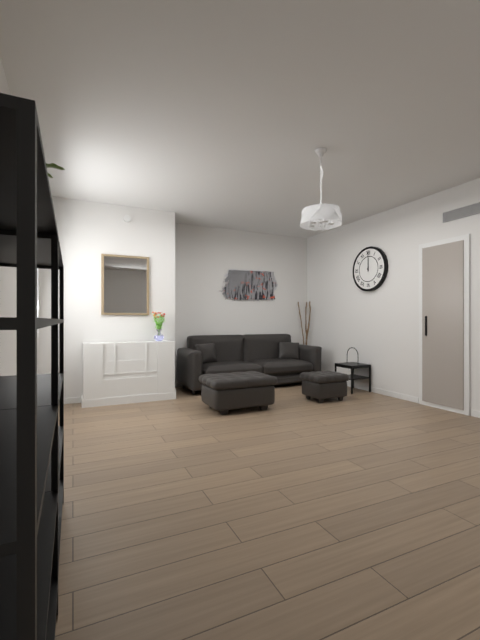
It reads **12:00**
